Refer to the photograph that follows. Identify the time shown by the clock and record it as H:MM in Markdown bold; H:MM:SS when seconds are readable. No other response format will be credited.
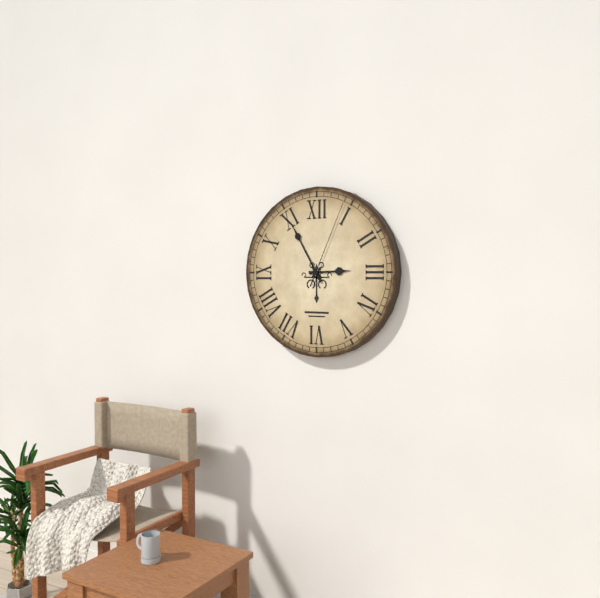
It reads **2:55:04**
